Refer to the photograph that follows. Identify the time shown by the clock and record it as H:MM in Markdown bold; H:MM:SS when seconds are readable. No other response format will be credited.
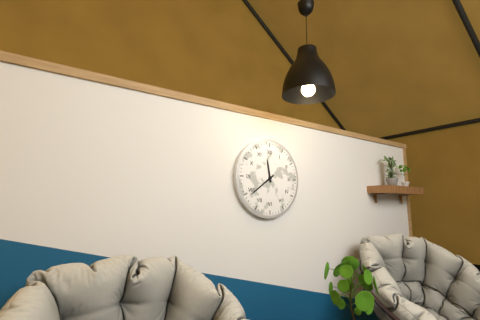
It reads **11:39**
